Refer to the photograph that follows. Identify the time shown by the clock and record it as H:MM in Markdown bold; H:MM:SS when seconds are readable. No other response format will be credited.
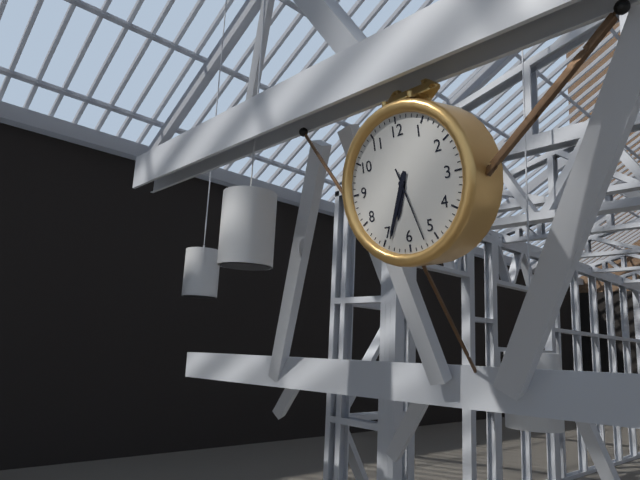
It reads **6:34:27**
